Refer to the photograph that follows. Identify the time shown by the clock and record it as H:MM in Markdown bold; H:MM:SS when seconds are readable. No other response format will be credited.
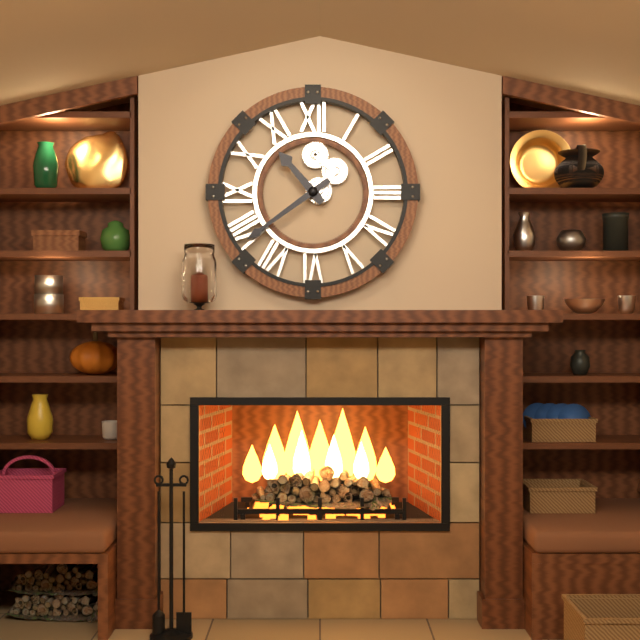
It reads **10:39**
